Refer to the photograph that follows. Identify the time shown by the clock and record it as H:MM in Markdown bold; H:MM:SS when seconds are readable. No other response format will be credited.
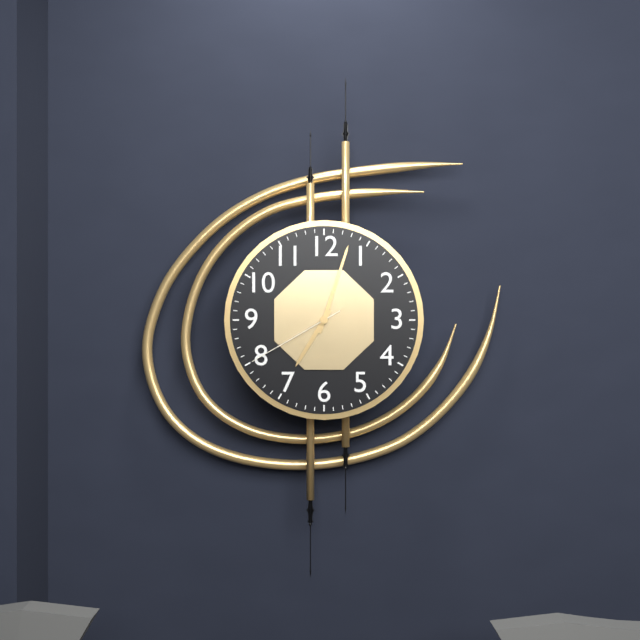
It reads **7:03:40**
